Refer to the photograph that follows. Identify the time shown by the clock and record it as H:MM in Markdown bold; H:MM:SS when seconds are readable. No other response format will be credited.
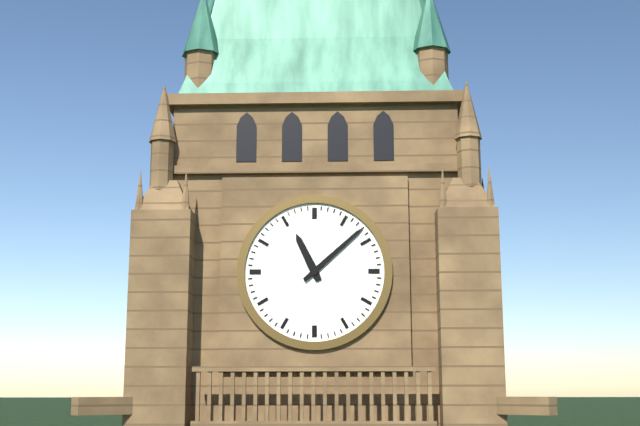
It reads **11:08**
